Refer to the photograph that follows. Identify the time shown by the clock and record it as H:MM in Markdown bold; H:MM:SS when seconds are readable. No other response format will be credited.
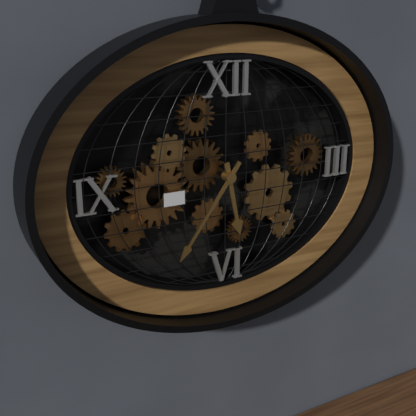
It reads **5:36**
